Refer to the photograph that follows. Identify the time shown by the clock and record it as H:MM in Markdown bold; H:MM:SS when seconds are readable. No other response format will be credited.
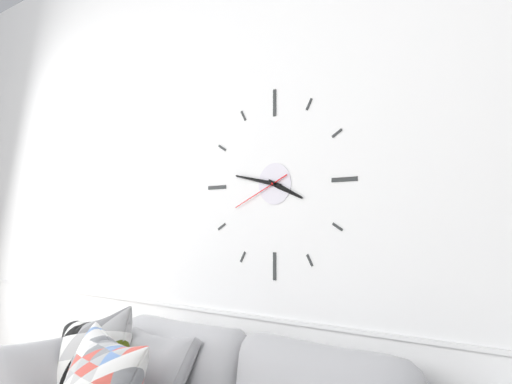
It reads **3:47:41**
